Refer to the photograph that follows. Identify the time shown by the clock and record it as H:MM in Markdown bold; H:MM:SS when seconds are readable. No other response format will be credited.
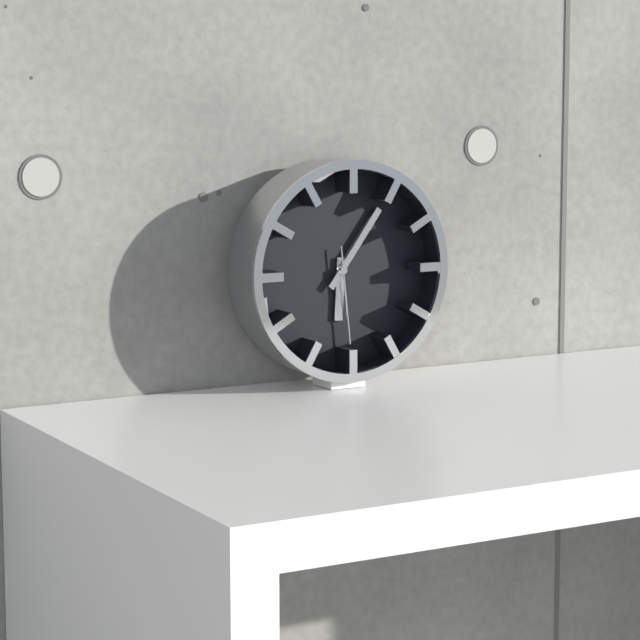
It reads **6:06:29**
